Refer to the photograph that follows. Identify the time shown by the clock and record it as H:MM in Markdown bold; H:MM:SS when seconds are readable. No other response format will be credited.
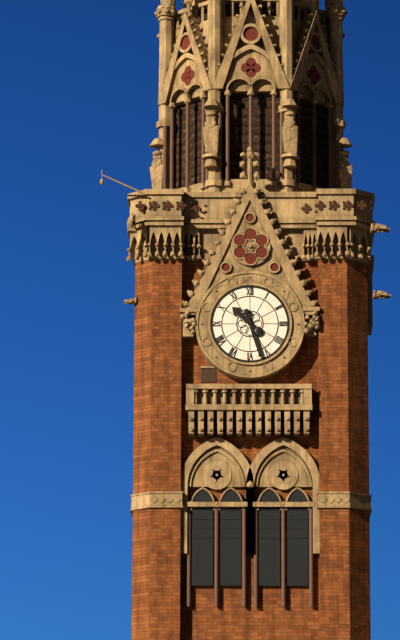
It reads **10:27**
